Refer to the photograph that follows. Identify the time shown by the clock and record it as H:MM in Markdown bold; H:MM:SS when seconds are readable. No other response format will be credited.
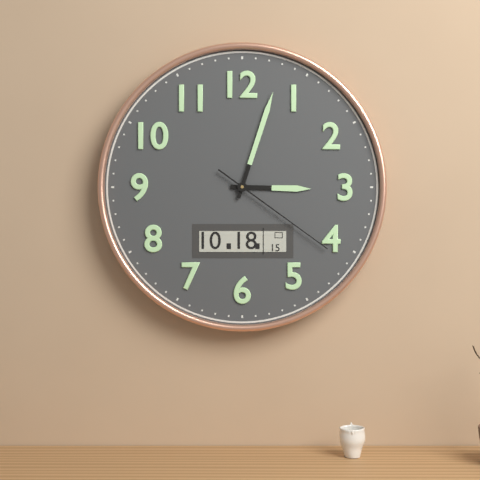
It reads **3:03:21**
